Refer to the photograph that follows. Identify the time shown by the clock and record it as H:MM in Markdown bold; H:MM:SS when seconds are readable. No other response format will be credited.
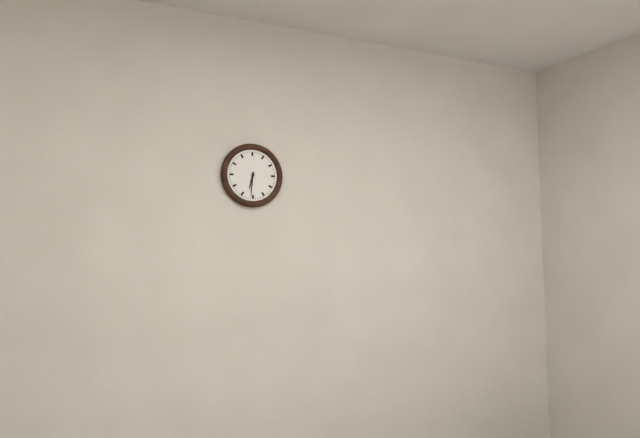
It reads **6:31**
